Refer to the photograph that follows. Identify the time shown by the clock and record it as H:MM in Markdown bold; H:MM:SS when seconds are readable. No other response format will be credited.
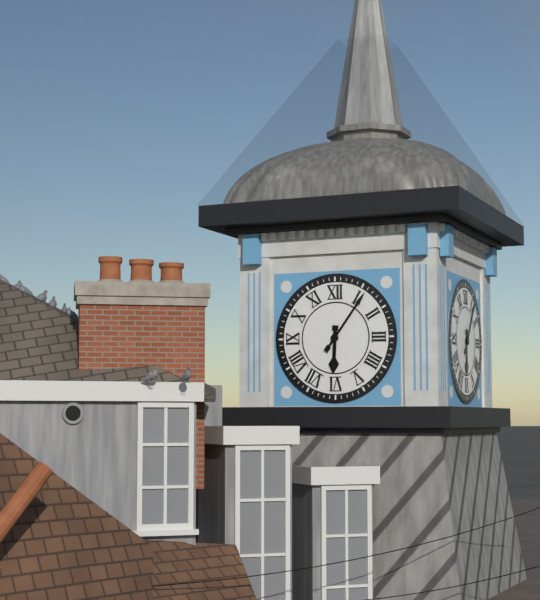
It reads **6:06**
